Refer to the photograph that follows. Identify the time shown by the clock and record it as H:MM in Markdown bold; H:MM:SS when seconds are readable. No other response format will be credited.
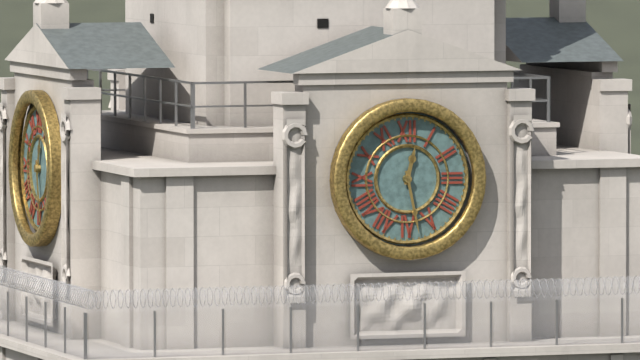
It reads **12:28**
